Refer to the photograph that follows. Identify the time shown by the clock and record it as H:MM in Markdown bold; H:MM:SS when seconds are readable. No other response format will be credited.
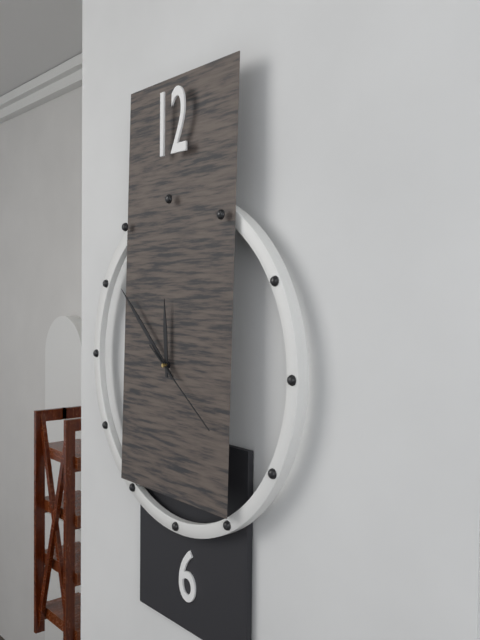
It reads **11:52:21**
